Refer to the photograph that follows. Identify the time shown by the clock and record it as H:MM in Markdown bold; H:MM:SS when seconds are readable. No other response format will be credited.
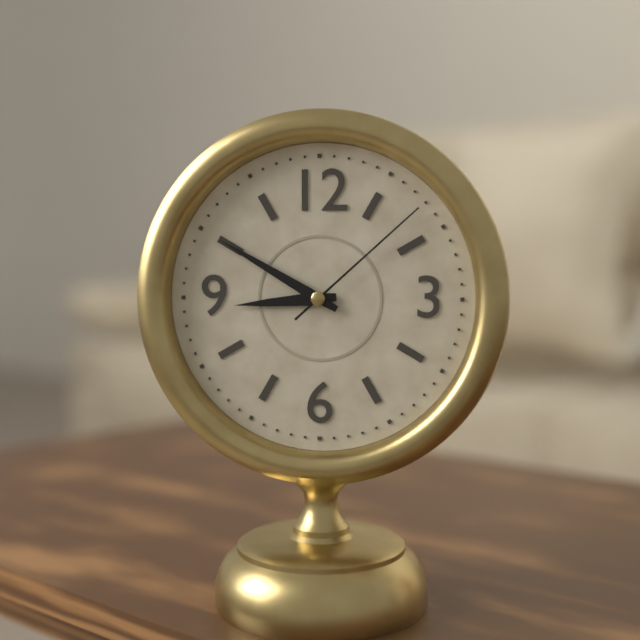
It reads **8:50:08**
